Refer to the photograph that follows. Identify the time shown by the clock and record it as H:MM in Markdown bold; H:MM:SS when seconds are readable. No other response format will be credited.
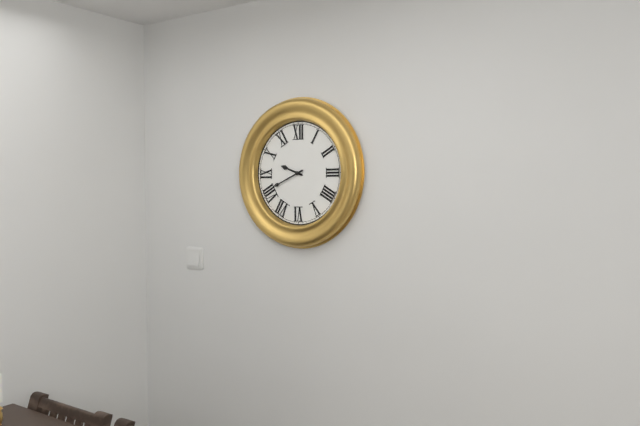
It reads **9:41**
